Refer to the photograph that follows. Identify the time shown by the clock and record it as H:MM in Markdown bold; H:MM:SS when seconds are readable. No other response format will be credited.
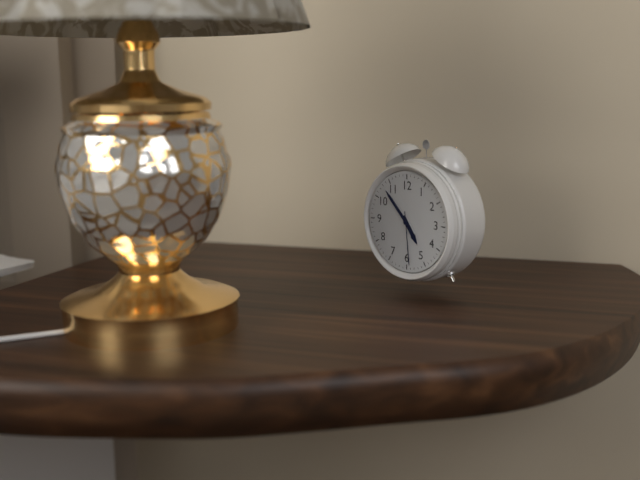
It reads **4:53:29**
